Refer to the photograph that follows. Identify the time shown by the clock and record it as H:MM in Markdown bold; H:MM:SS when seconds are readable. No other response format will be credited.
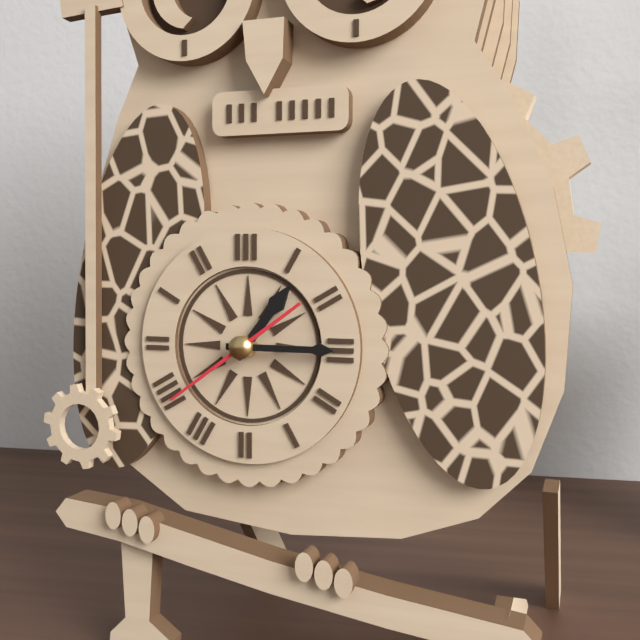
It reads **1:15:39**
